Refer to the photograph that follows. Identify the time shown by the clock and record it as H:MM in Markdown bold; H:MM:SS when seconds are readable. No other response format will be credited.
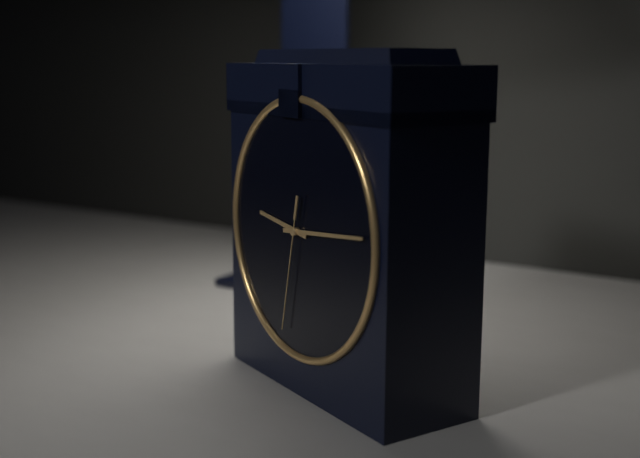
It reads **9:14:32**
